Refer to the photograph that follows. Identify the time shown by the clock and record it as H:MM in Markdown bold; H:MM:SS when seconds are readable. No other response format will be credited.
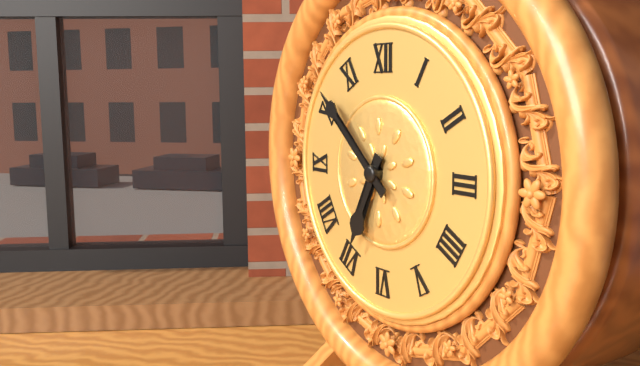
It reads **6:52**
